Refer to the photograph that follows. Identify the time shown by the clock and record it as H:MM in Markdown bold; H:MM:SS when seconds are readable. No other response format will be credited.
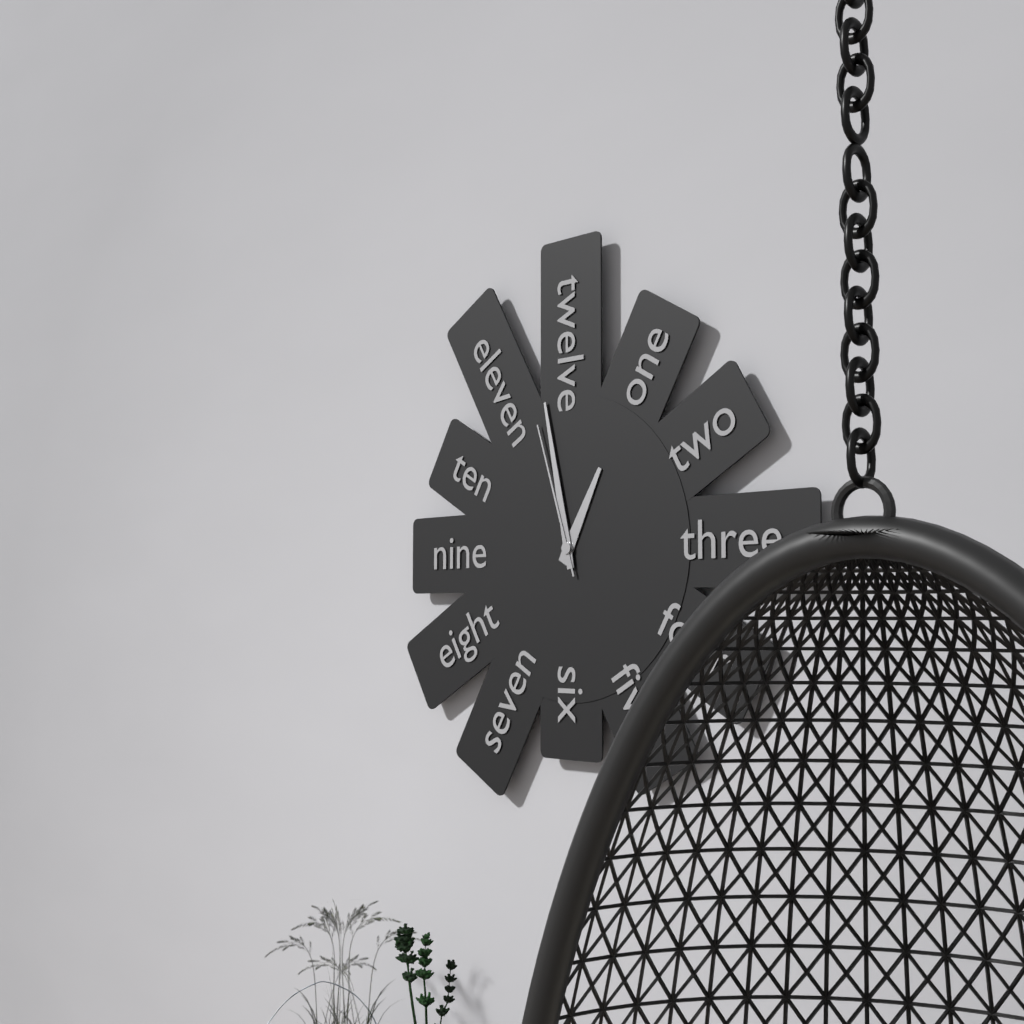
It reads **12:58:57**
